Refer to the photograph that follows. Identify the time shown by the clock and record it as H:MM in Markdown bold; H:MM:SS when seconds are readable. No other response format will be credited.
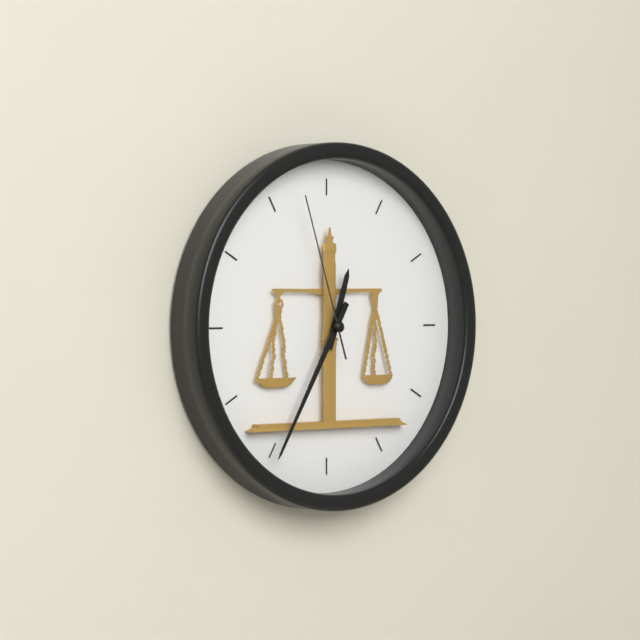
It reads **12:35:57**
